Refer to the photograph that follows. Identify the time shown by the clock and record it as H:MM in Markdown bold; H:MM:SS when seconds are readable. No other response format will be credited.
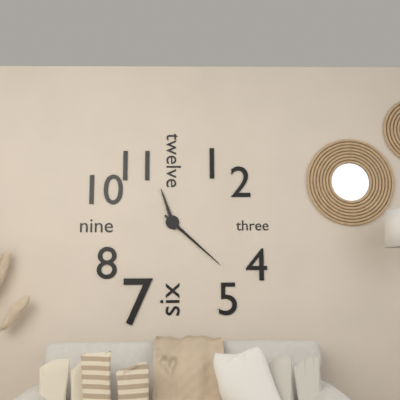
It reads **11:22**
